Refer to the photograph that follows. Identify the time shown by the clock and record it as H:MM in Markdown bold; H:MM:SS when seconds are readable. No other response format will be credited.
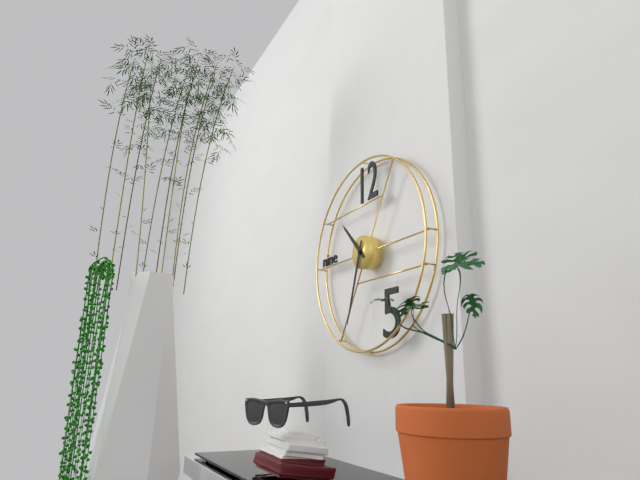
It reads **10:33**
